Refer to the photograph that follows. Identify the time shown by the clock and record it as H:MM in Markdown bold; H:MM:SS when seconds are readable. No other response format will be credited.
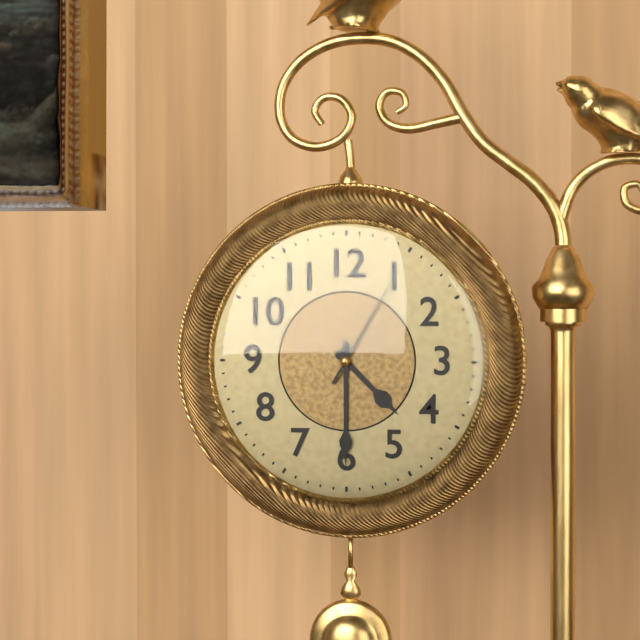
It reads **4:30:05**
